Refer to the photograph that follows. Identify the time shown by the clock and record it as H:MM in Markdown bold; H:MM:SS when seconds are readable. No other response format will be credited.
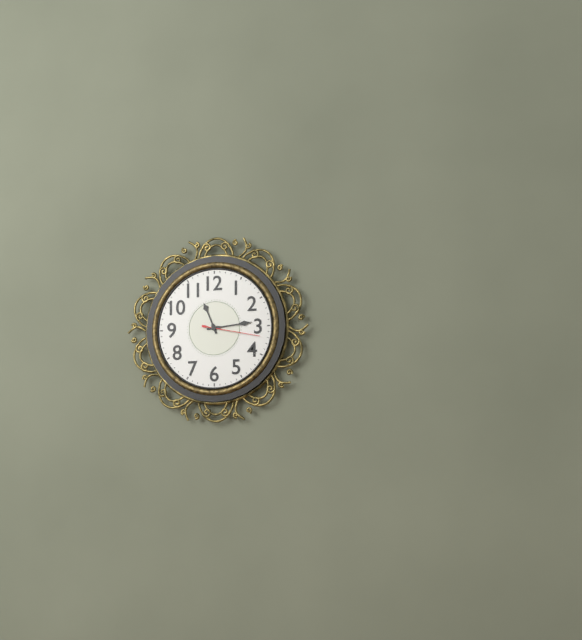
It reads **11:14:17**
